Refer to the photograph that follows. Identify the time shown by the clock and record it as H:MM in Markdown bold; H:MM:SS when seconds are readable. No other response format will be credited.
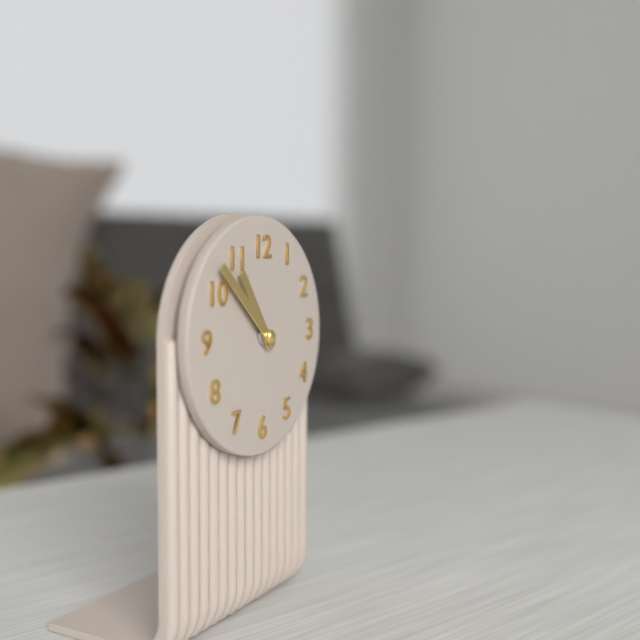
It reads **10:52**
